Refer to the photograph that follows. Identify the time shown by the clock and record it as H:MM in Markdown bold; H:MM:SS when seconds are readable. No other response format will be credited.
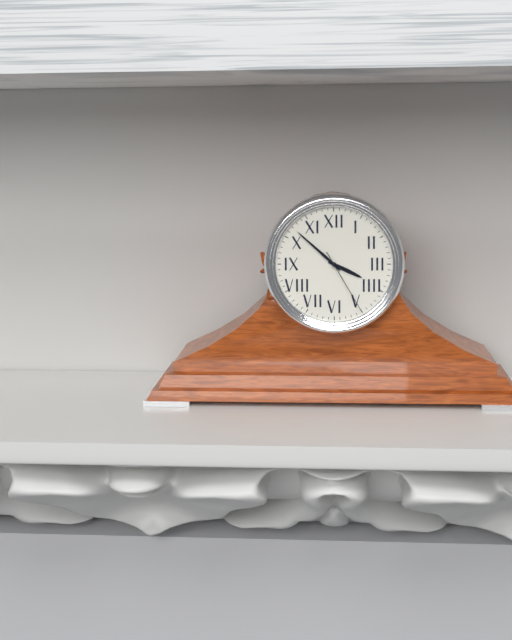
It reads **3:52:25**
